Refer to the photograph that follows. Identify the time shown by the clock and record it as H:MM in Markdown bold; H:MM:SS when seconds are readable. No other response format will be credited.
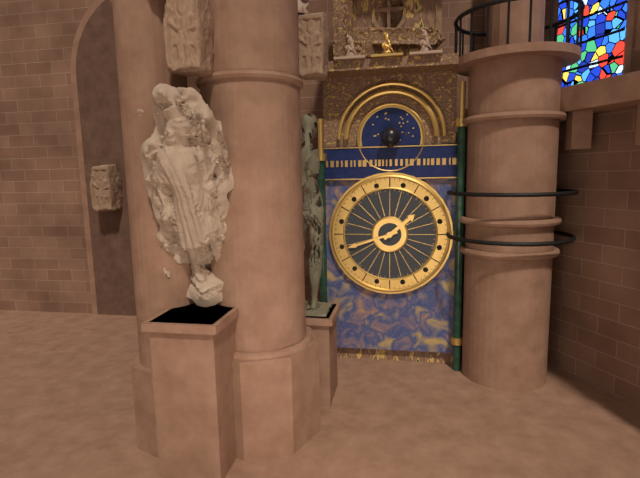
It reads **1:42**
